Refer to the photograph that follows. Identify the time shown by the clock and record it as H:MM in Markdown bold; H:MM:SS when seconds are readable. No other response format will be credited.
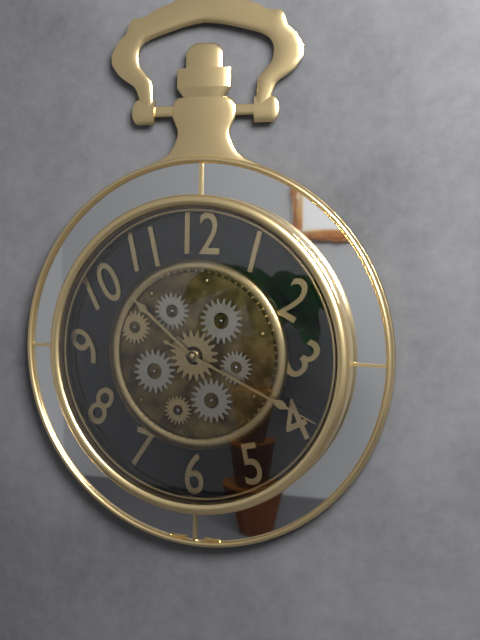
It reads **10:19**
